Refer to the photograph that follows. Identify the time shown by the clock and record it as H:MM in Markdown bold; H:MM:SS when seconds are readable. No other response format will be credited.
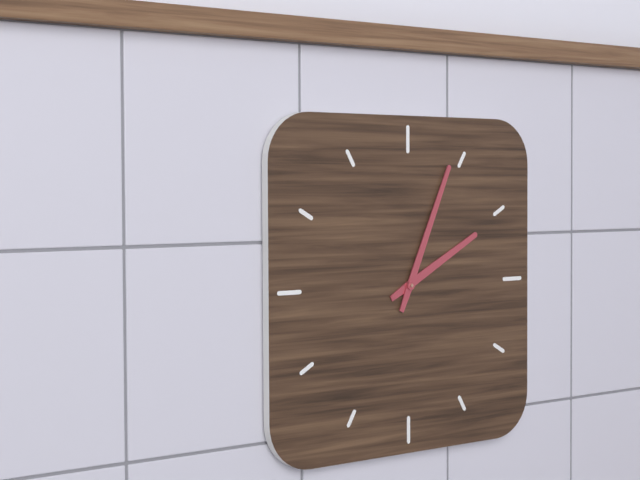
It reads **2:04**
